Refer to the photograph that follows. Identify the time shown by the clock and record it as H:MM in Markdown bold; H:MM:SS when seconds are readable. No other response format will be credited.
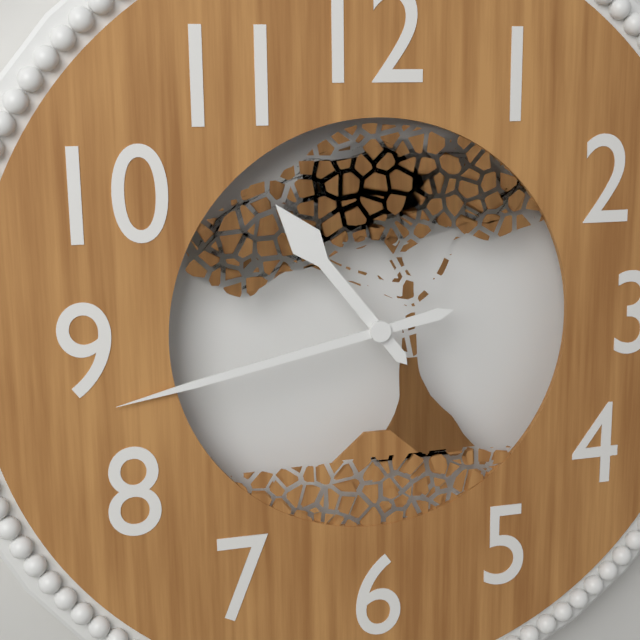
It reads **10:43**
